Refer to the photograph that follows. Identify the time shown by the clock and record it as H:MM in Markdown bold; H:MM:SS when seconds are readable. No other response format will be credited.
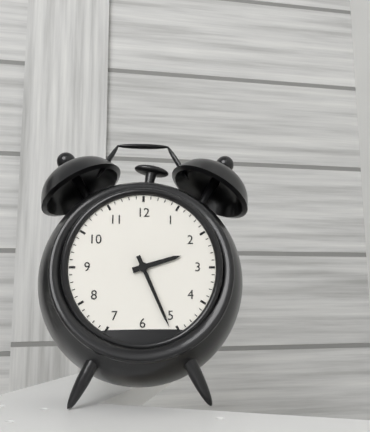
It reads **2:26**
